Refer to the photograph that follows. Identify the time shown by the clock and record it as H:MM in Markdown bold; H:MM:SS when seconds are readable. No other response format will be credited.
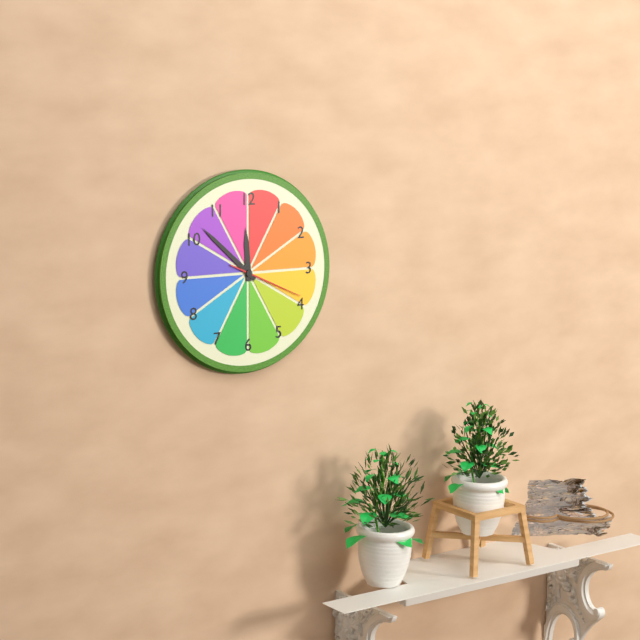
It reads **11:52:19**
